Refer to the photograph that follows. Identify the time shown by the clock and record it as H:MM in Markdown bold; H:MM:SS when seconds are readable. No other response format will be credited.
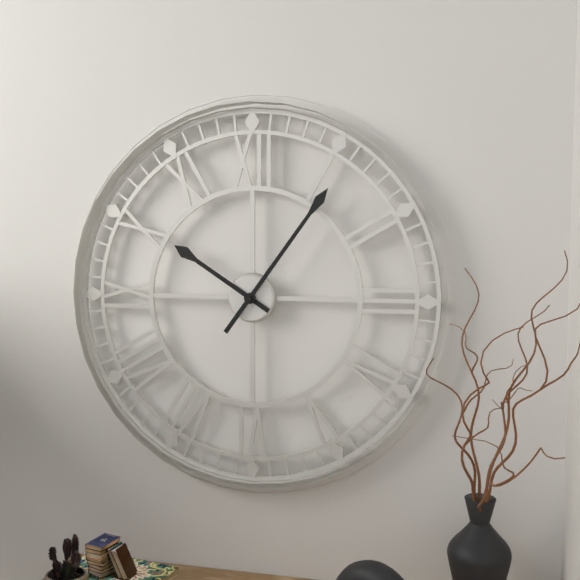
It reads **10:06**
